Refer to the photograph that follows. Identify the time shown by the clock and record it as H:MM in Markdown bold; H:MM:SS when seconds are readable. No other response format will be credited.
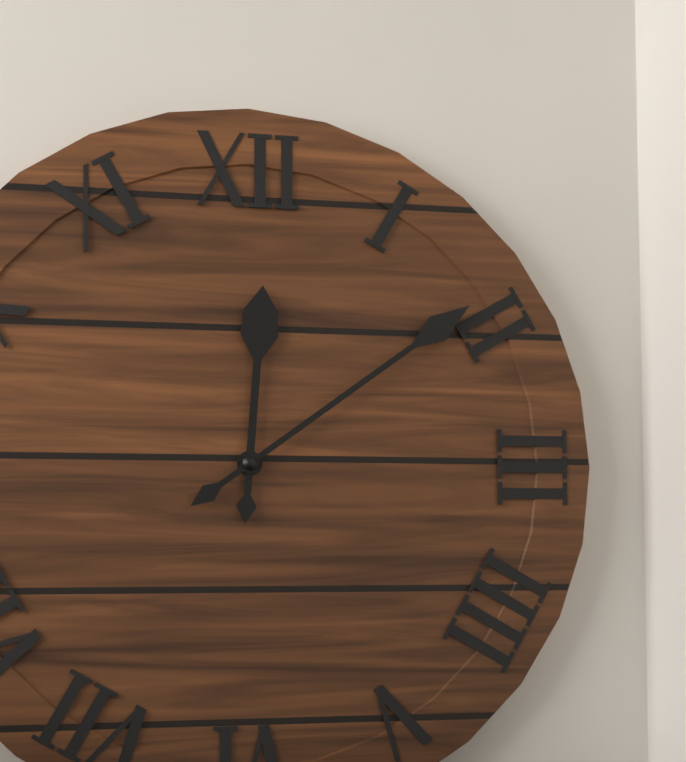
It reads **12:09**
